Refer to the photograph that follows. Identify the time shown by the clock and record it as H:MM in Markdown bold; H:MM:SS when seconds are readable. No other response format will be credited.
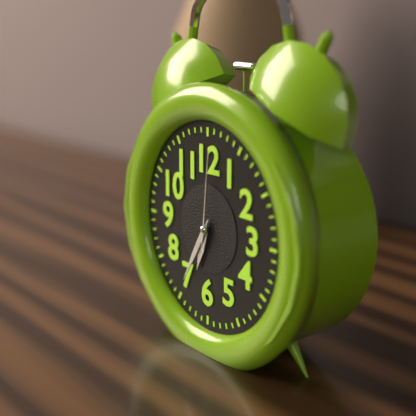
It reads **6:35:01**
